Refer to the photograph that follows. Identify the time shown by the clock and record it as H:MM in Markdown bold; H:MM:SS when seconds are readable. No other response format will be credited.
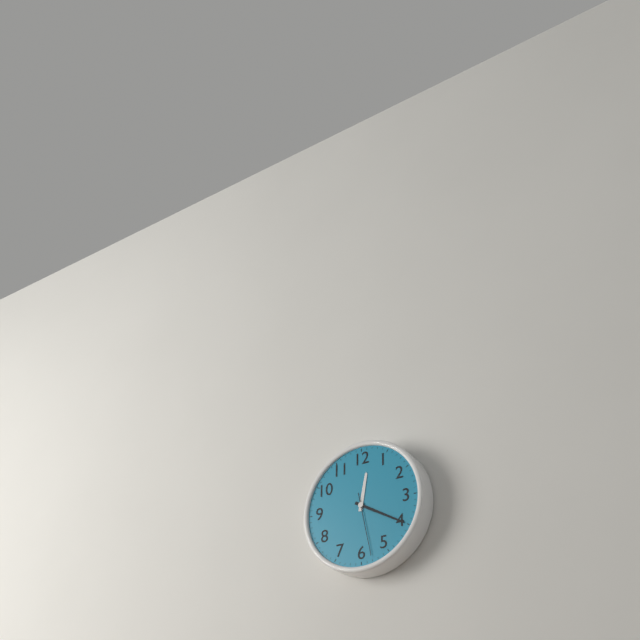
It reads **12:20:28**
